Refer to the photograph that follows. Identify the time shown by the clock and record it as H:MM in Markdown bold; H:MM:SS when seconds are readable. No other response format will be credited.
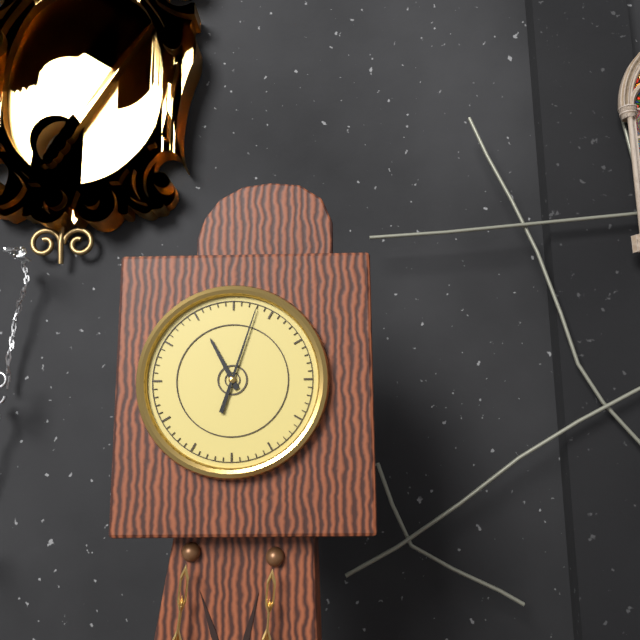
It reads **11:03**
